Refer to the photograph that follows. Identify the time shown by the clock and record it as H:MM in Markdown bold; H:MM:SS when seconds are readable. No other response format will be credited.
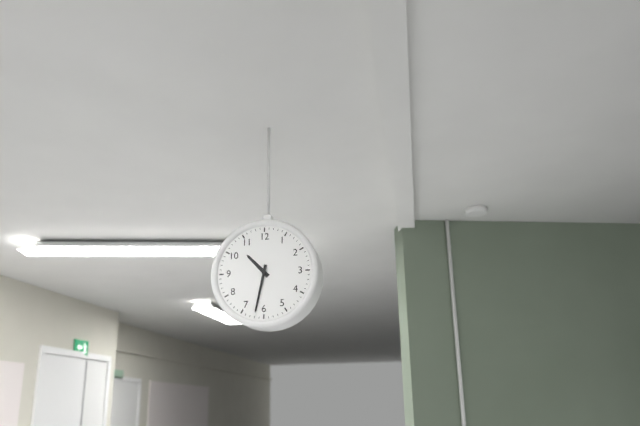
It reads **10:32**
